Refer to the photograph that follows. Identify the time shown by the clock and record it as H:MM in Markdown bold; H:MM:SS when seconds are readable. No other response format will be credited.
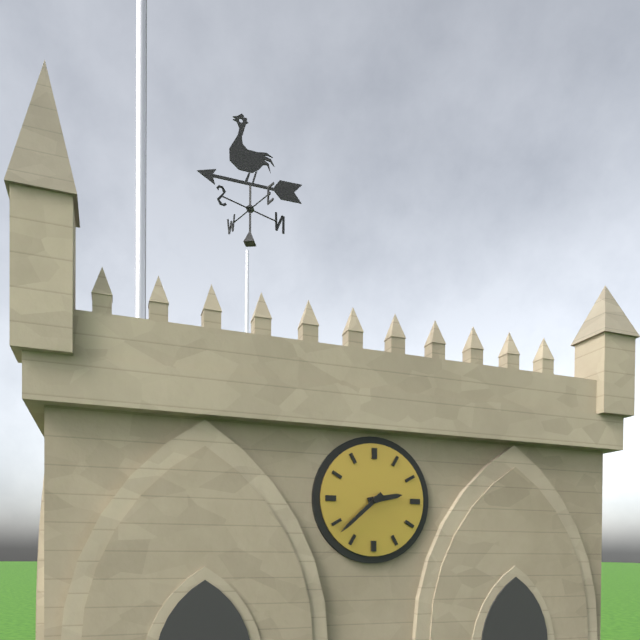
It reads **2:38**
